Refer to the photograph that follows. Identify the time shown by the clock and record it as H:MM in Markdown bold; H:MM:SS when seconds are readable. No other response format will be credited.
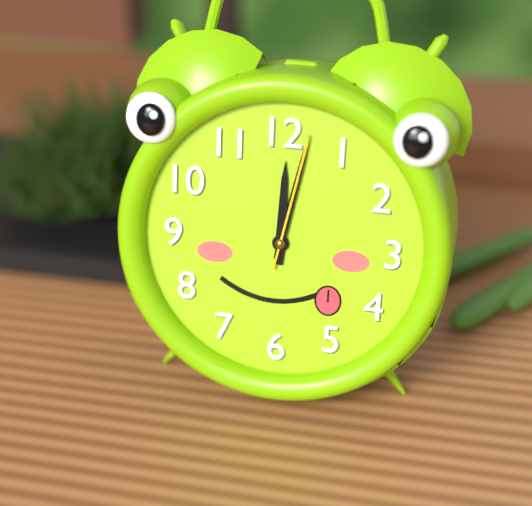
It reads **12:02:02**
